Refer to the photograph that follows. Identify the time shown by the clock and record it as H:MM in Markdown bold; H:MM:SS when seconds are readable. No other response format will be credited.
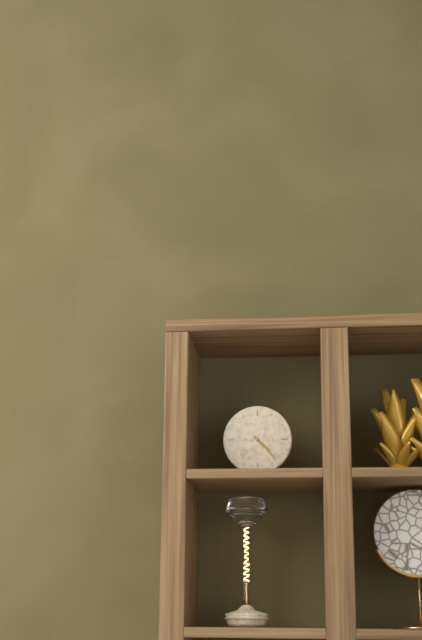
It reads **4:23**
